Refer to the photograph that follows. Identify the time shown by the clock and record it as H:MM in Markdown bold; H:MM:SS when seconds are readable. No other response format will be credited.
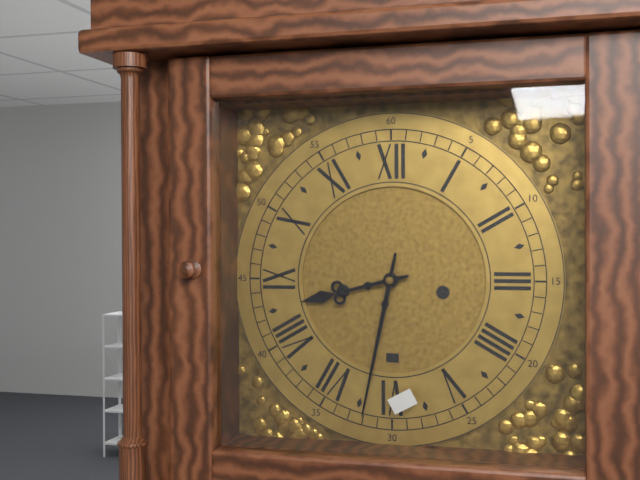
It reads **8:32**
